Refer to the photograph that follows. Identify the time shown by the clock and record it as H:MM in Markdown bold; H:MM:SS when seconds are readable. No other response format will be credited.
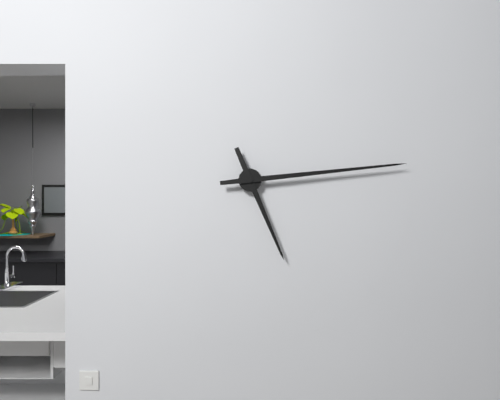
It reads **5:14**
